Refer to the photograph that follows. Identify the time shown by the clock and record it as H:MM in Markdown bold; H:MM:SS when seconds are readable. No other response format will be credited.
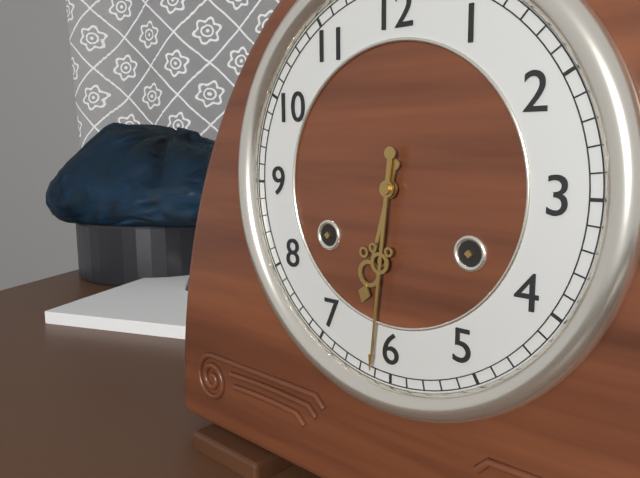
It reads **6:31**
